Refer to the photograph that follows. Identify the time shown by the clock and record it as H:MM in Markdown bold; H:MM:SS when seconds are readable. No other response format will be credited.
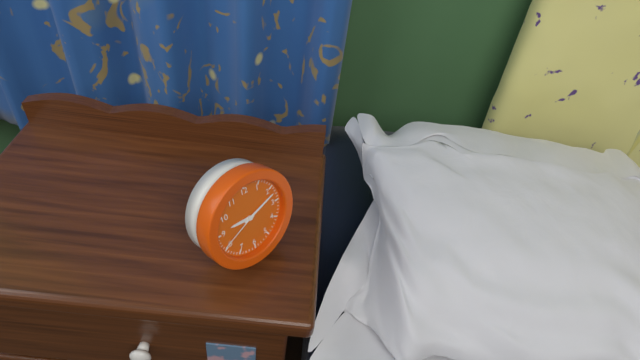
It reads **9:12**
